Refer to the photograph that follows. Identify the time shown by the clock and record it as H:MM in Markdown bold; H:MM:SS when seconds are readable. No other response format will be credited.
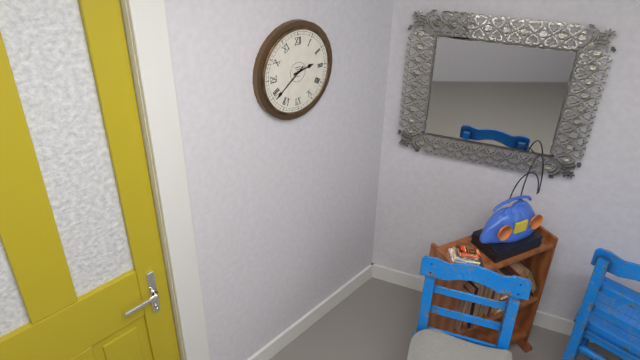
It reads **2:39**
